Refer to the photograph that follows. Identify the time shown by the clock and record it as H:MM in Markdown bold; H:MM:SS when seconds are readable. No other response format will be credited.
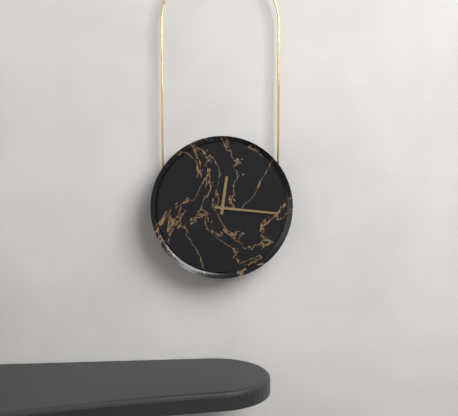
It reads **12:16**
